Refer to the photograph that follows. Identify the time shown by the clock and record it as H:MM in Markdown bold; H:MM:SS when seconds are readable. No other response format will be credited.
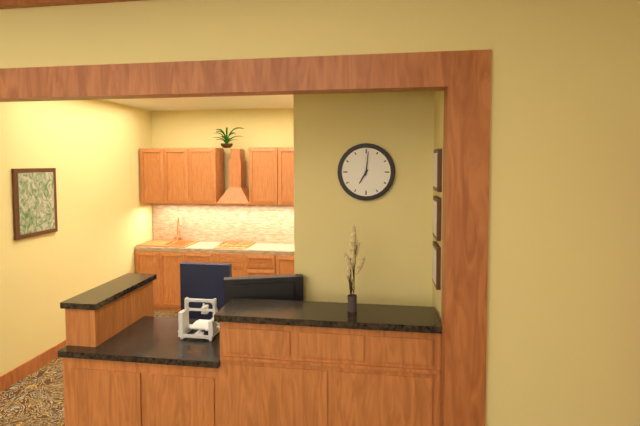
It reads **7:01**
